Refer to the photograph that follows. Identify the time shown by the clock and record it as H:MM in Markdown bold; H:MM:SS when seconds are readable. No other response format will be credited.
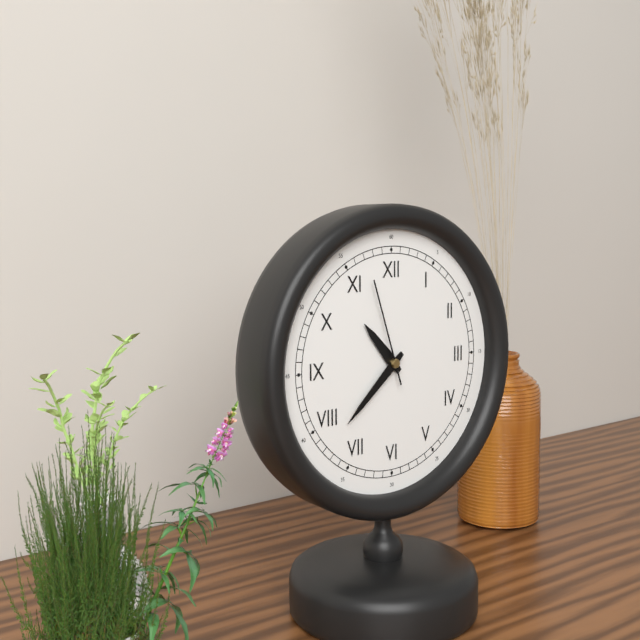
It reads **10:38:57**
